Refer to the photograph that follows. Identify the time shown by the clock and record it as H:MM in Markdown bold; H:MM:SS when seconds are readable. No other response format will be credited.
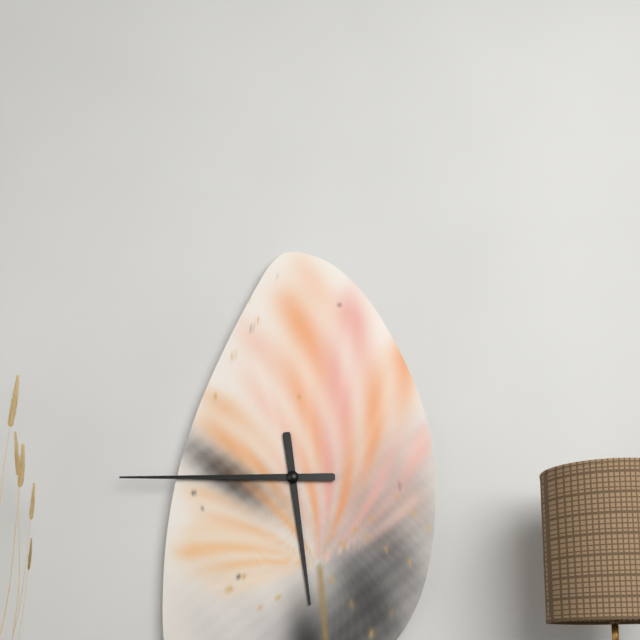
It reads **5:45**
